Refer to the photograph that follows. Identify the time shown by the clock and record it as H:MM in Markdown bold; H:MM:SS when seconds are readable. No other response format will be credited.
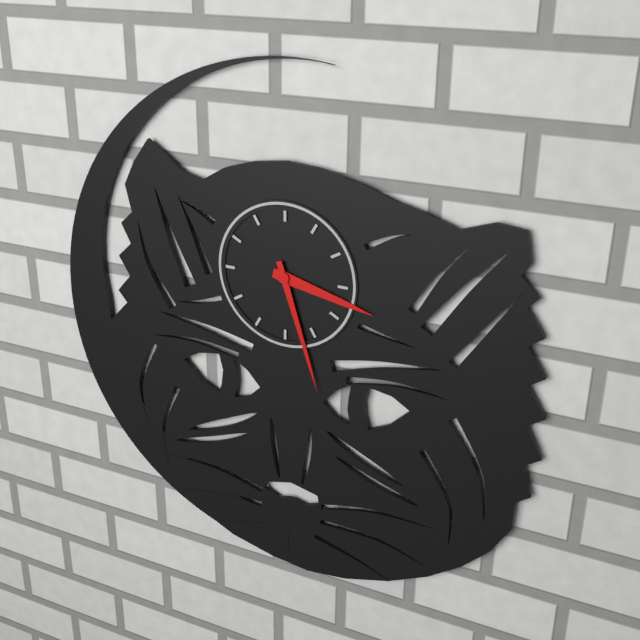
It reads **3:27**
